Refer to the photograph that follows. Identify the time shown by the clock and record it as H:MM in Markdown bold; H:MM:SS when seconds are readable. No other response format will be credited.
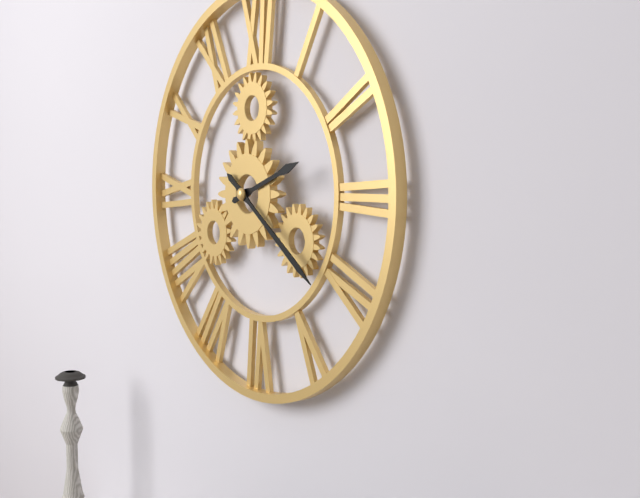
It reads **2:21**
